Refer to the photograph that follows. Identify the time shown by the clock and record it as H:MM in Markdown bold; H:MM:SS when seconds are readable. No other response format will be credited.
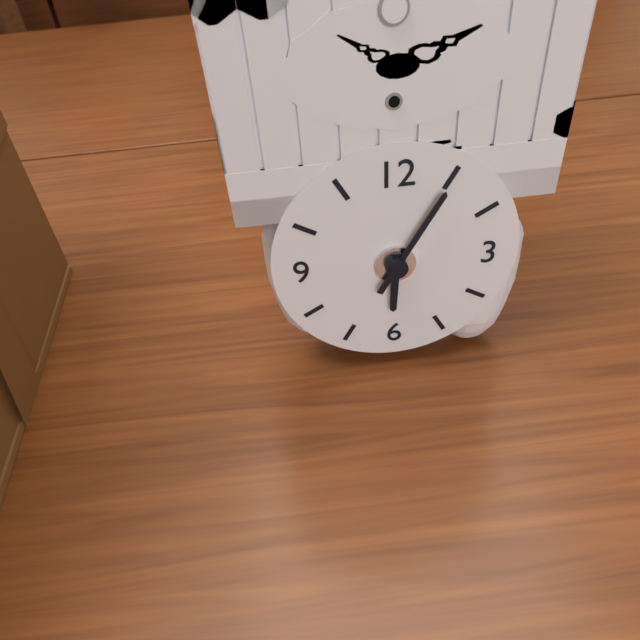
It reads **6:05**
